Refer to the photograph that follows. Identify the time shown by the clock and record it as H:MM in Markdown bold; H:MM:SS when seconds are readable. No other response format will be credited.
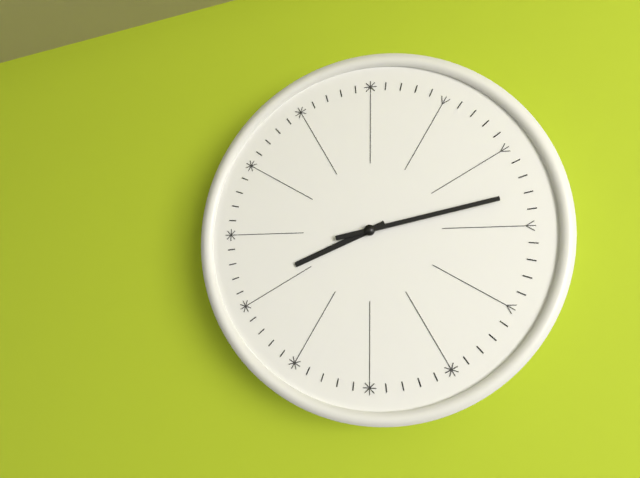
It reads **8:13**
